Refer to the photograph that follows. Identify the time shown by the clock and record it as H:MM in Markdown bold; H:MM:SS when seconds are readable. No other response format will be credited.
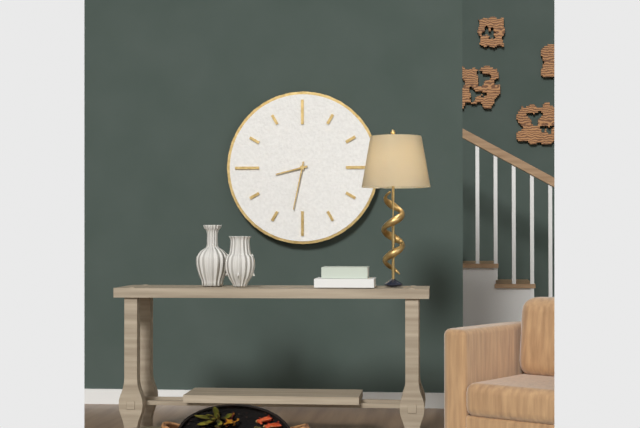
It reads **8:32**
